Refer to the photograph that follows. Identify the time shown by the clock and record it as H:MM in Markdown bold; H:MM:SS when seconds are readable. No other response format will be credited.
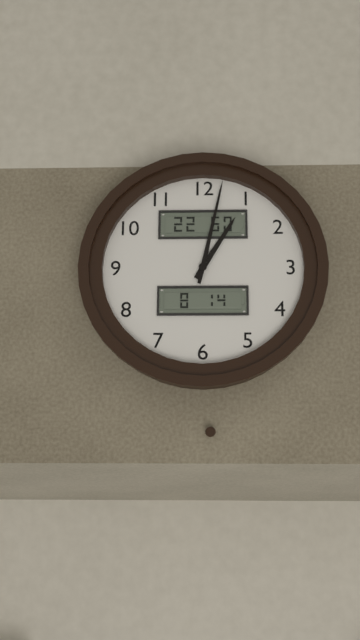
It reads **1:02**
